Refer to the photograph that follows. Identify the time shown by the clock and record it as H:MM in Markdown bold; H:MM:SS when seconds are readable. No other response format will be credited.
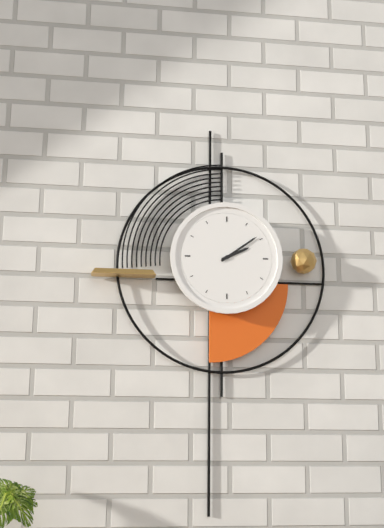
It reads **2:09**
